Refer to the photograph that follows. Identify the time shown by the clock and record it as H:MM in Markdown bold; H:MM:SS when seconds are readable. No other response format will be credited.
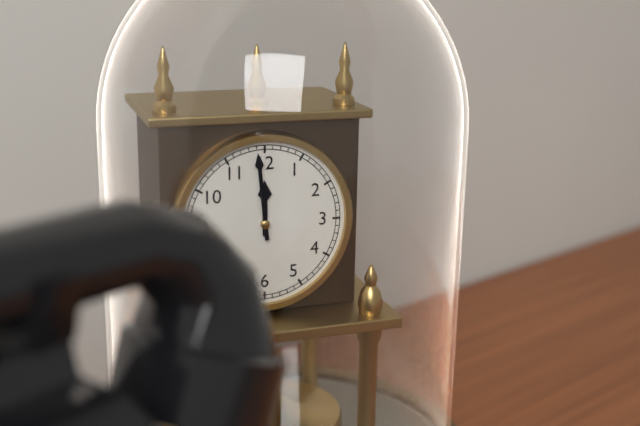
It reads **11:59**
